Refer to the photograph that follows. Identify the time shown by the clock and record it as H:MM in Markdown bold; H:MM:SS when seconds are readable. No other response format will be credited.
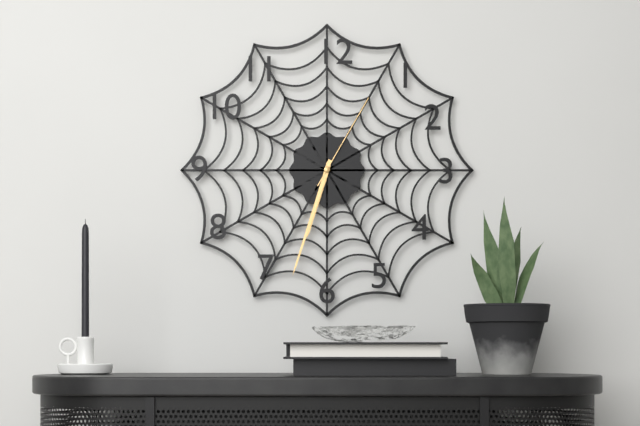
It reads **6:33:05**
